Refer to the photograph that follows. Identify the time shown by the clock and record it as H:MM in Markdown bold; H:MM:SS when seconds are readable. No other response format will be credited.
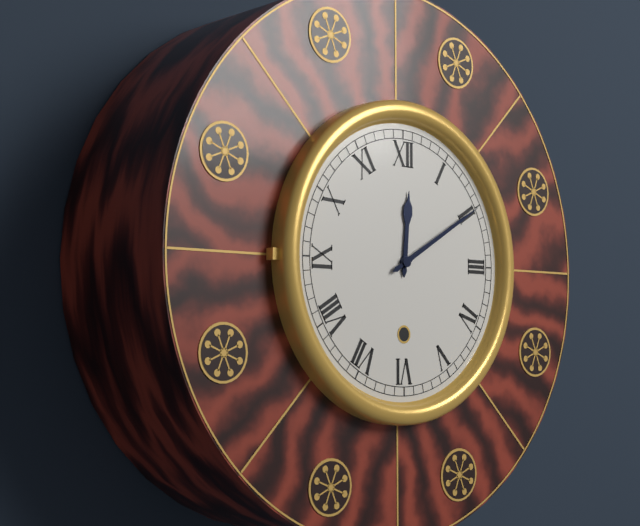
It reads **12:10**
